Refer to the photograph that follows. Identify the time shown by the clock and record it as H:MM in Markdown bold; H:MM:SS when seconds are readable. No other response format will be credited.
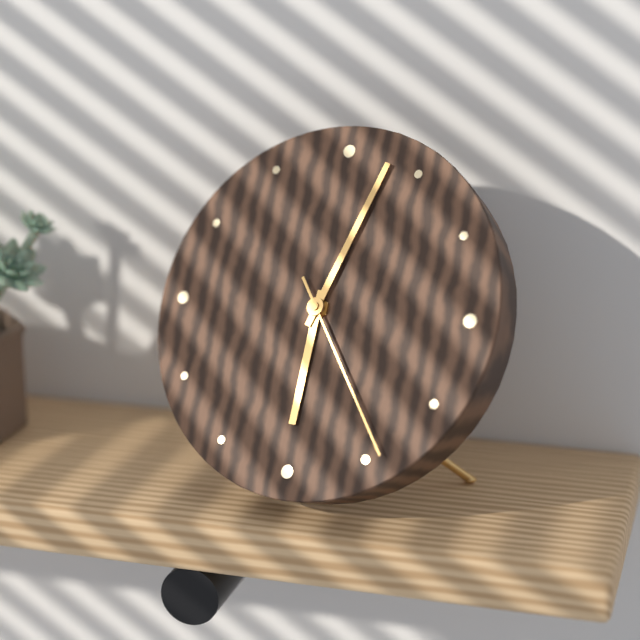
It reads **6:03:24**
